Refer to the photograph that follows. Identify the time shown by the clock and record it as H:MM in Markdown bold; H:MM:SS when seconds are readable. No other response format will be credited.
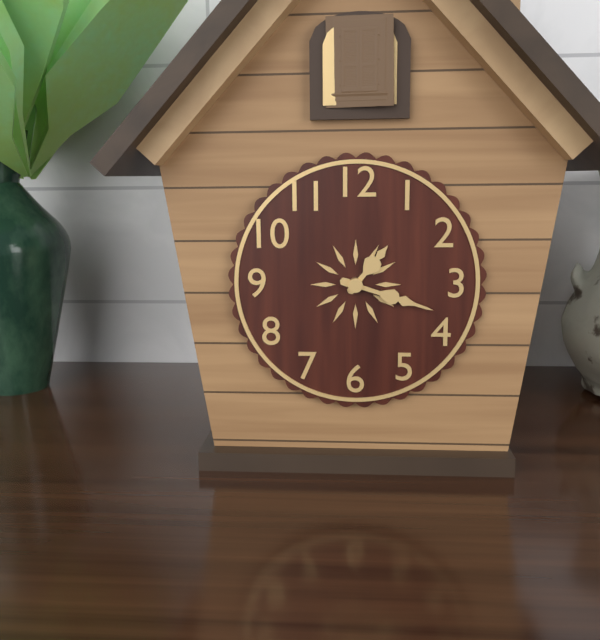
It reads **1:18**
